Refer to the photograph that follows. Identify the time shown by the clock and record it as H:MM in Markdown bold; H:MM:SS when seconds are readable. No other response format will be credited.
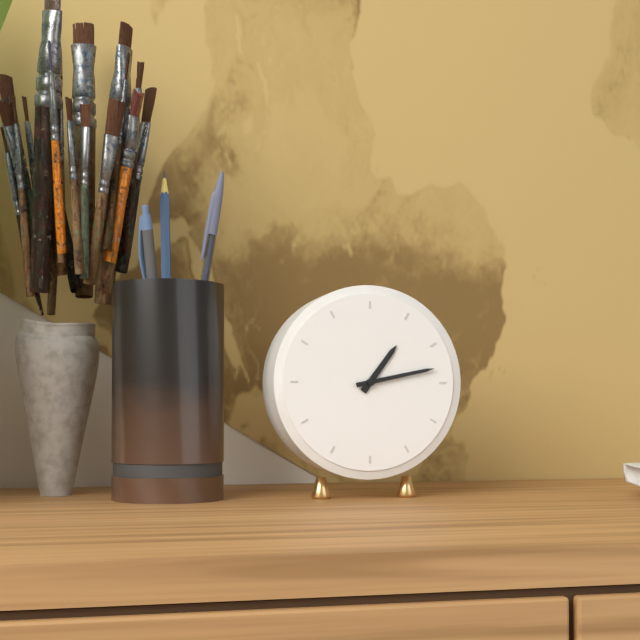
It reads **1:13**
